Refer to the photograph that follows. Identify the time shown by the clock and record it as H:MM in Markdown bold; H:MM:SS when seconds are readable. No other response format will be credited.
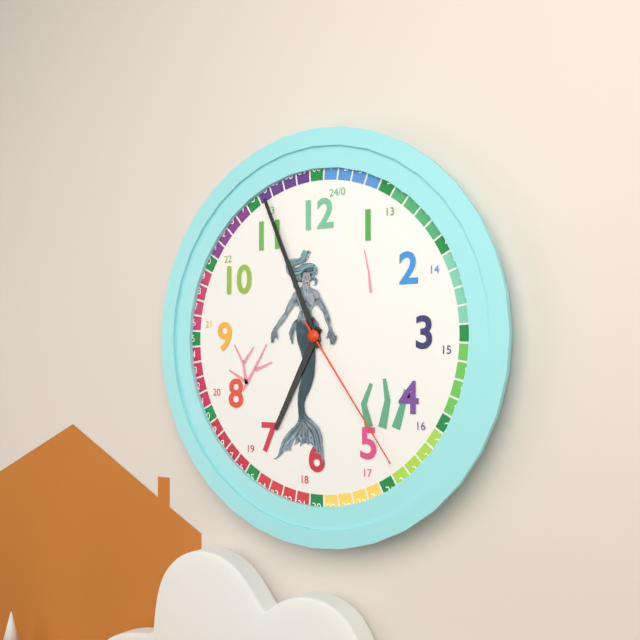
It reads **6:56:24**
